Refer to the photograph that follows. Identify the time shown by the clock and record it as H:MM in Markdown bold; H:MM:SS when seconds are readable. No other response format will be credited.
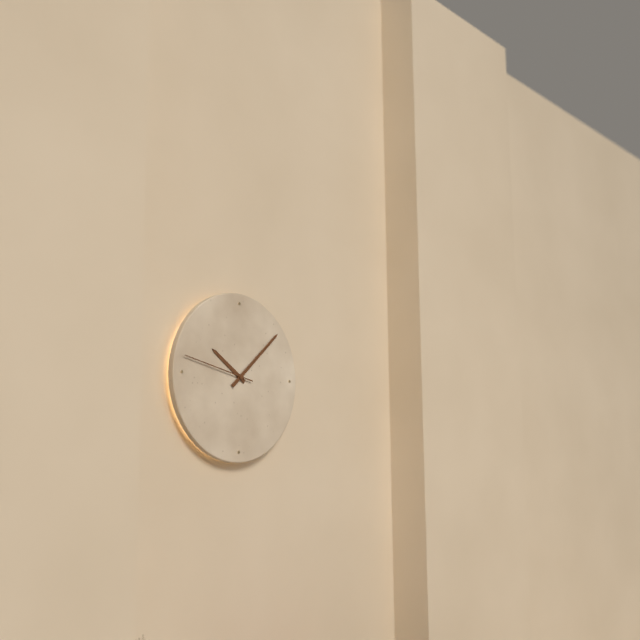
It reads **10:08:47**
